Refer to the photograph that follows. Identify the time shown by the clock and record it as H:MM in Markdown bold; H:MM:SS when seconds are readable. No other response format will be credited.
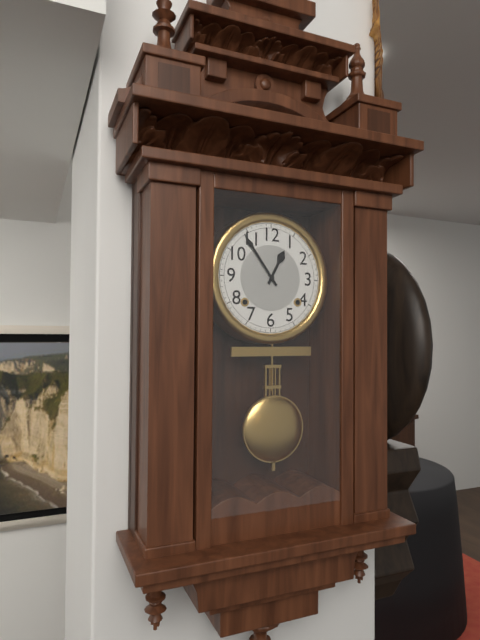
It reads **12:54**
